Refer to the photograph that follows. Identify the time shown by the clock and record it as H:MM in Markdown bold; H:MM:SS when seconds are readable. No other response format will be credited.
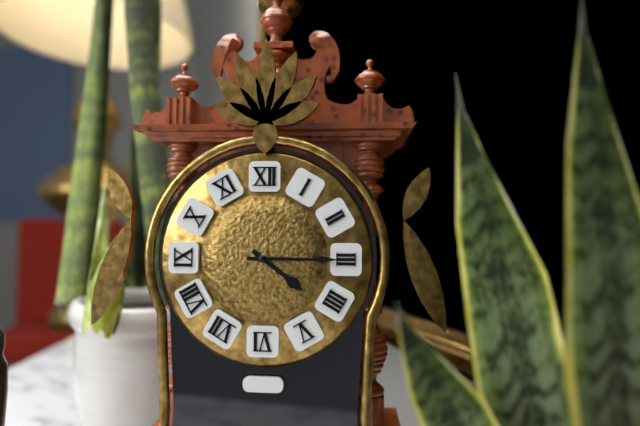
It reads **4:15**
